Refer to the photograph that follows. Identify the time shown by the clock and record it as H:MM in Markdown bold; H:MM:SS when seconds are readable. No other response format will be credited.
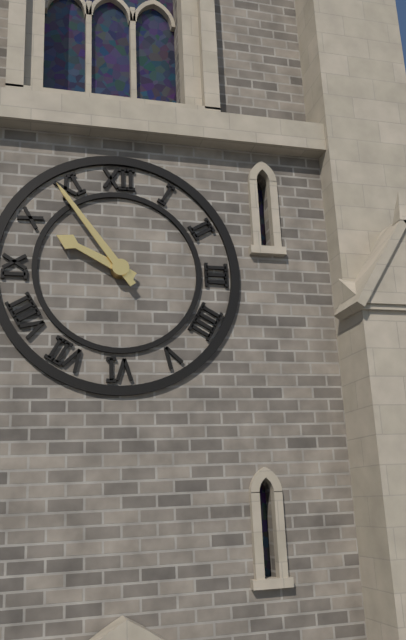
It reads **9:54**
